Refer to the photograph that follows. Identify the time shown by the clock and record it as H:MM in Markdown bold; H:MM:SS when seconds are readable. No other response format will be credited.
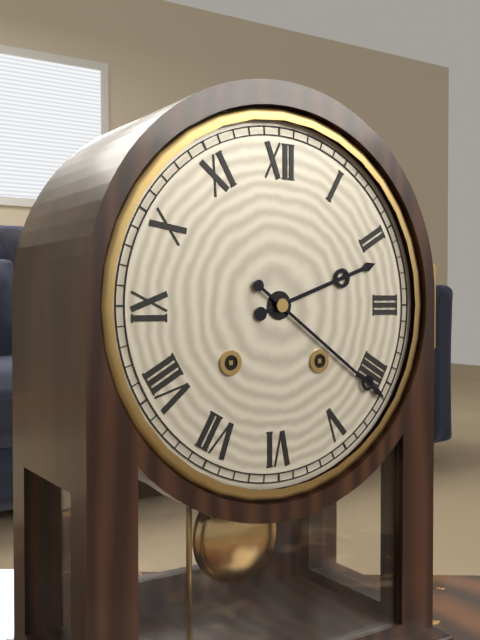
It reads **2:21**
